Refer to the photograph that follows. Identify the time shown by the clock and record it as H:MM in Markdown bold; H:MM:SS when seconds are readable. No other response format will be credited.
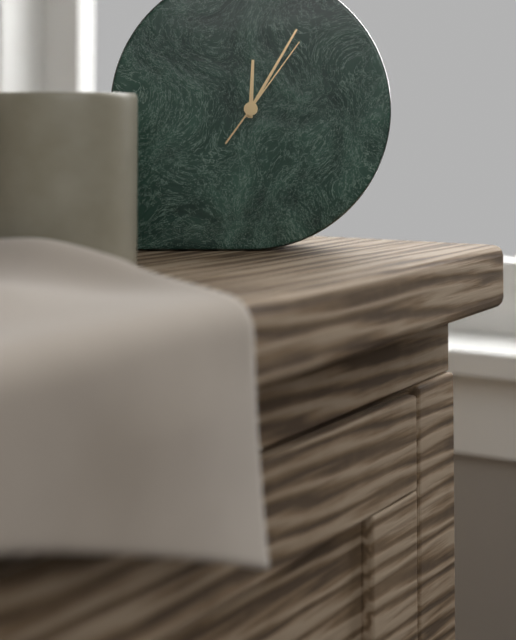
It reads **12:05:06**
